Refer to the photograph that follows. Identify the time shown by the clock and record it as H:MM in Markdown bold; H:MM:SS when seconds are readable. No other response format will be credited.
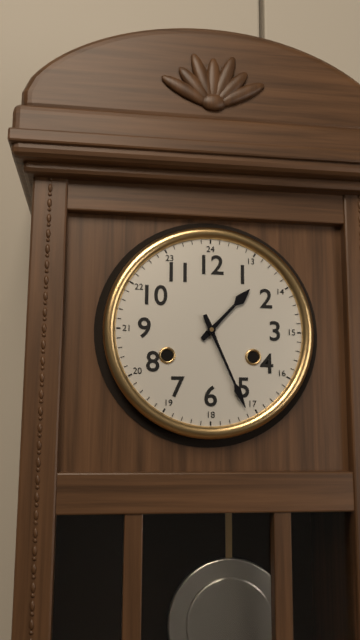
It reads **1:26**
